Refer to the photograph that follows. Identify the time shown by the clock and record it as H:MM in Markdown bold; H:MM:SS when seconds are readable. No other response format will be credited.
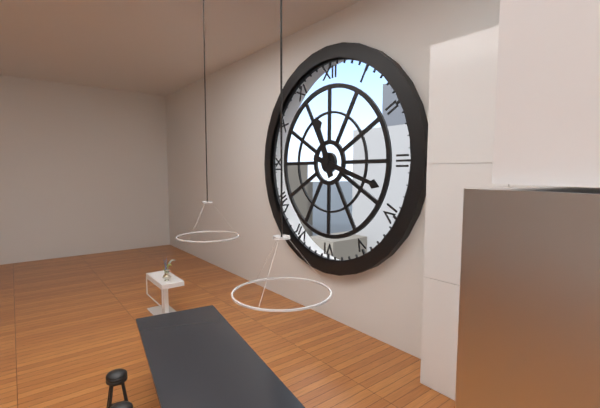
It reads **11:18**
